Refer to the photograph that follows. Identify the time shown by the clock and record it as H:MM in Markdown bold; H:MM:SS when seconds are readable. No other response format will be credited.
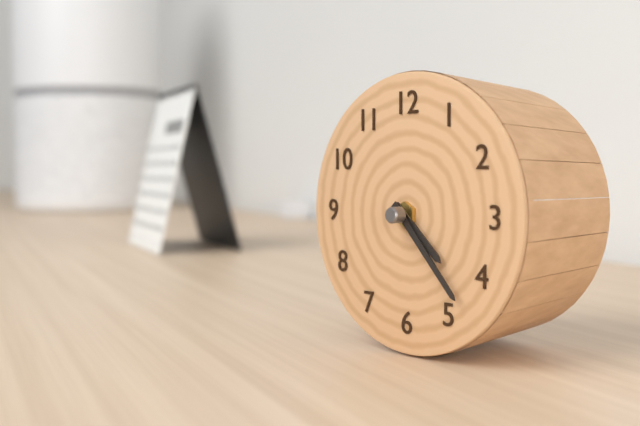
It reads **4:23**
